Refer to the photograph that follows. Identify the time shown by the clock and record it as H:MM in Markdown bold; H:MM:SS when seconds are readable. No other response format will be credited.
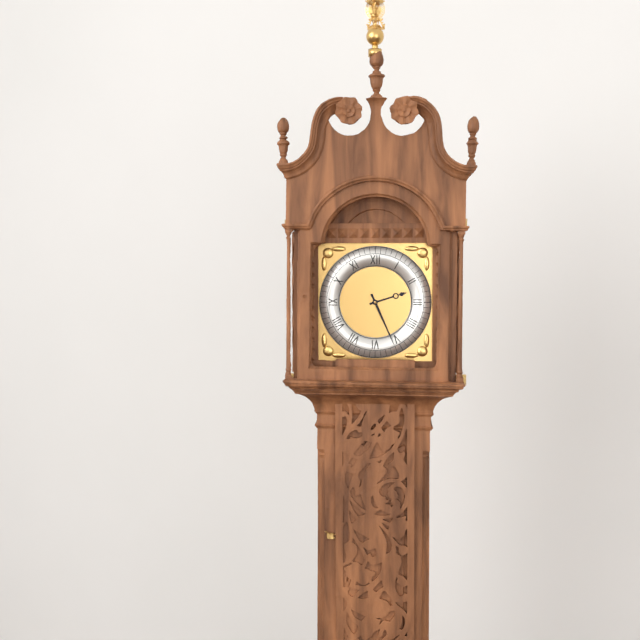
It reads **2:26**
